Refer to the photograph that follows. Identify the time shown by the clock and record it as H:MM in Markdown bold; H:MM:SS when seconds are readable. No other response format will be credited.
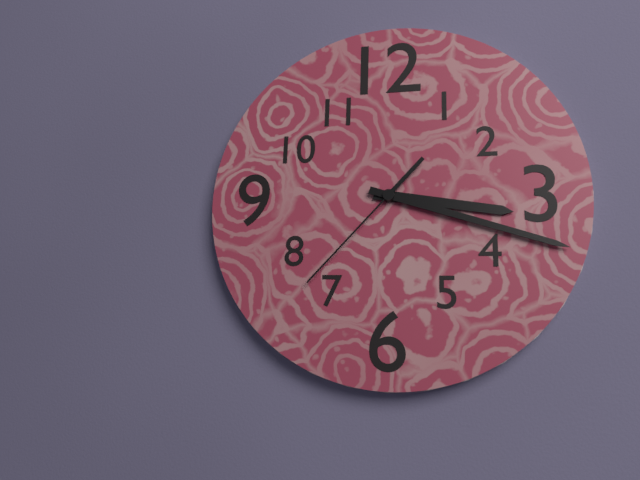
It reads **3:18:37**
